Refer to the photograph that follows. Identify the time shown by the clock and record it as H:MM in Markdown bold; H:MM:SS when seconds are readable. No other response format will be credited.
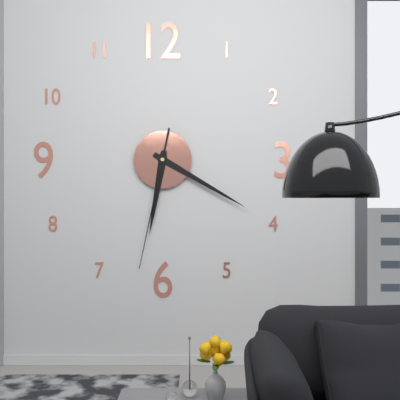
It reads **6:20:32**
